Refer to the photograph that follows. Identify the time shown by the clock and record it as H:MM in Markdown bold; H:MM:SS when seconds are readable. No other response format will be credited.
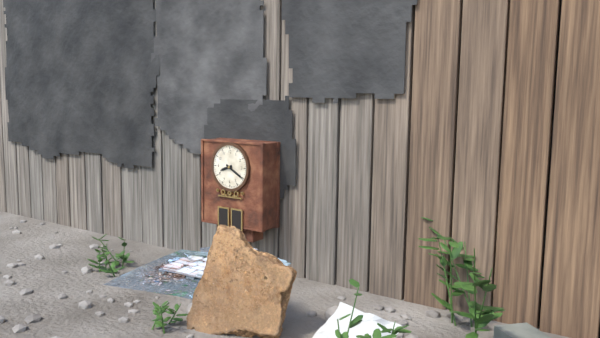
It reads **8:20**
